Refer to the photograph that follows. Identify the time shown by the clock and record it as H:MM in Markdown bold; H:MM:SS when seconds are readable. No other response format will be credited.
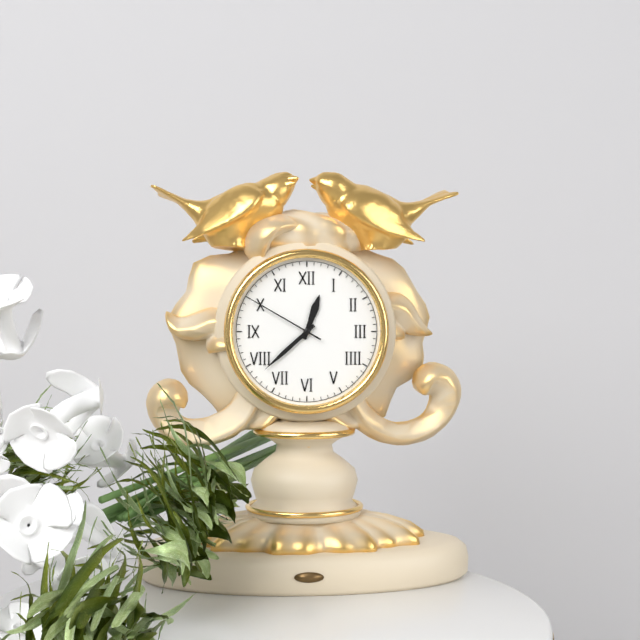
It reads **12:38:50**
